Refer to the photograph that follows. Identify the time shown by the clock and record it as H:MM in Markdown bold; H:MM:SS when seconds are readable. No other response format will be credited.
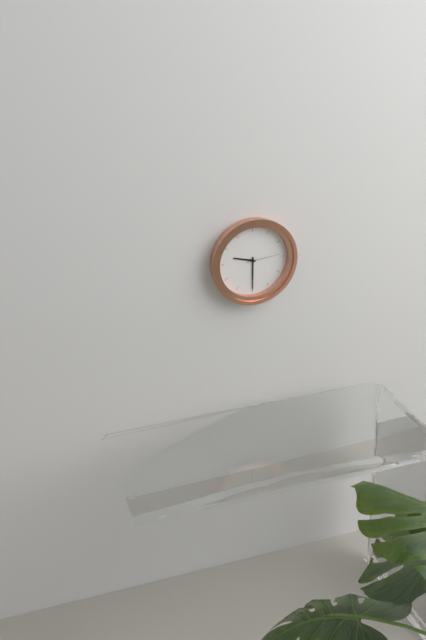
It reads **9:30**
